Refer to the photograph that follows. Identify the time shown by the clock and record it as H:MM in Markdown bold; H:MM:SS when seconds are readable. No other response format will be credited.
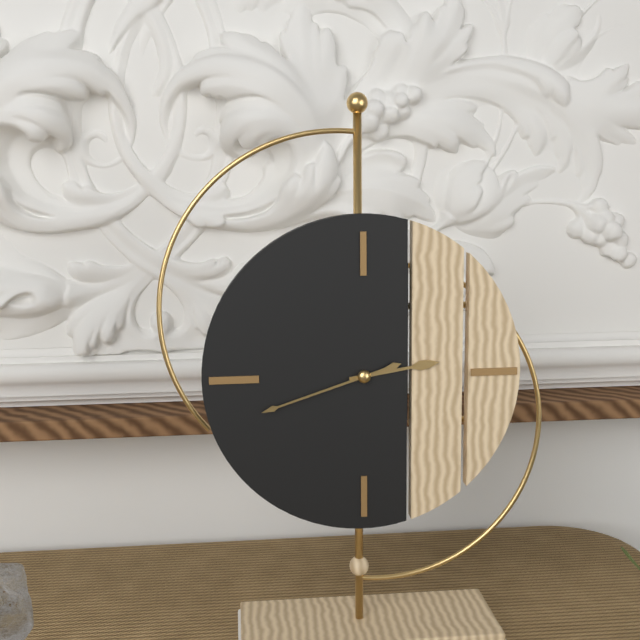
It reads **2:42**
